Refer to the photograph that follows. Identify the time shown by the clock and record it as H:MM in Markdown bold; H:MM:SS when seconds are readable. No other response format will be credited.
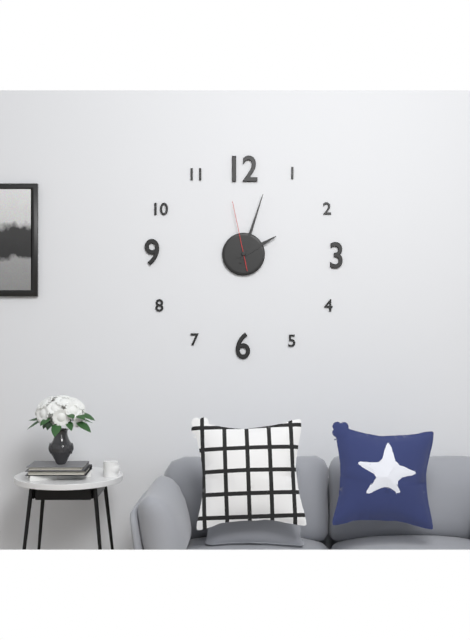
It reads **2:03:58**
